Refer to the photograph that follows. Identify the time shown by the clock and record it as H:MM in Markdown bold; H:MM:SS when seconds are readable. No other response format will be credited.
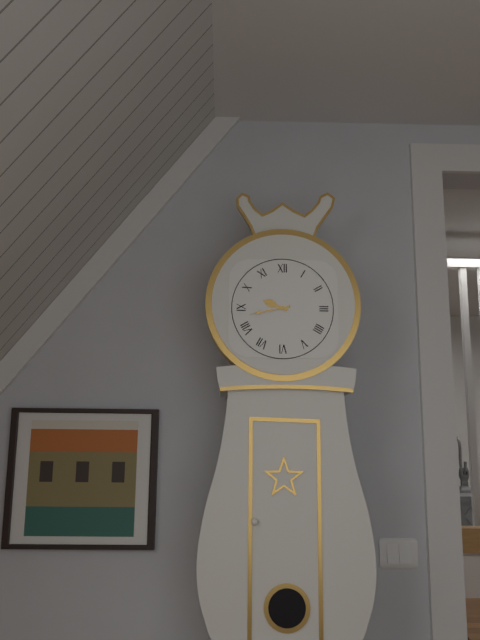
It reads **9:43**
